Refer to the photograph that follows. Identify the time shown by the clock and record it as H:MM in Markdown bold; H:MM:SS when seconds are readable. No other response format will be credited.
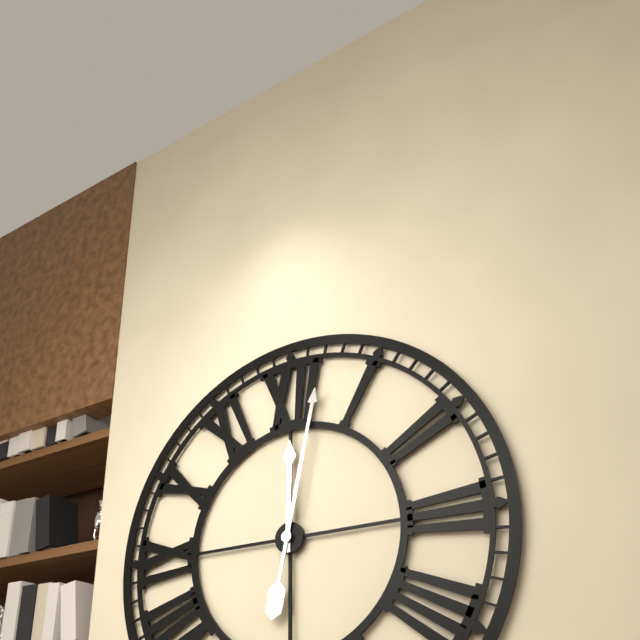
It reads **12:02**
